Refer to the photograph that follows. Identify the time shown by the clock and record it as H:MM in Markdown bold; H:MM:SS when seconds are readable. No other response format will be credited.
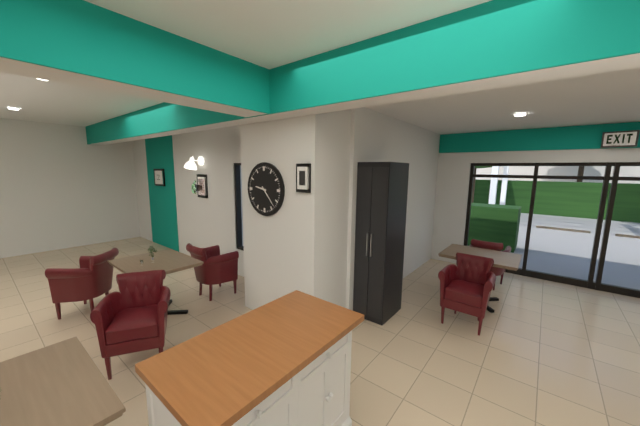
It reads **9:23**
